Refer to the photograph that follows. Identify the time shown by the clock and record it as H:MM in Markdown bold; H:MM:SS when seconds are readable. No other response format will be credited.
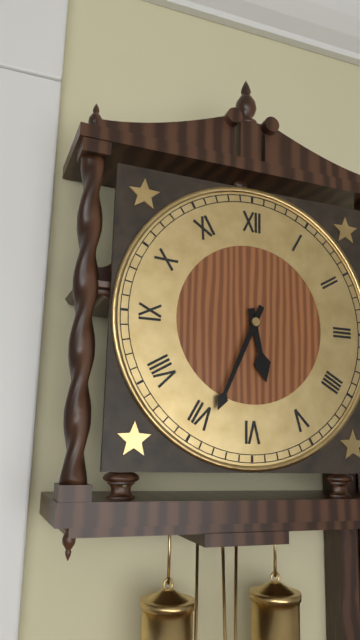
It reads **5:34**
